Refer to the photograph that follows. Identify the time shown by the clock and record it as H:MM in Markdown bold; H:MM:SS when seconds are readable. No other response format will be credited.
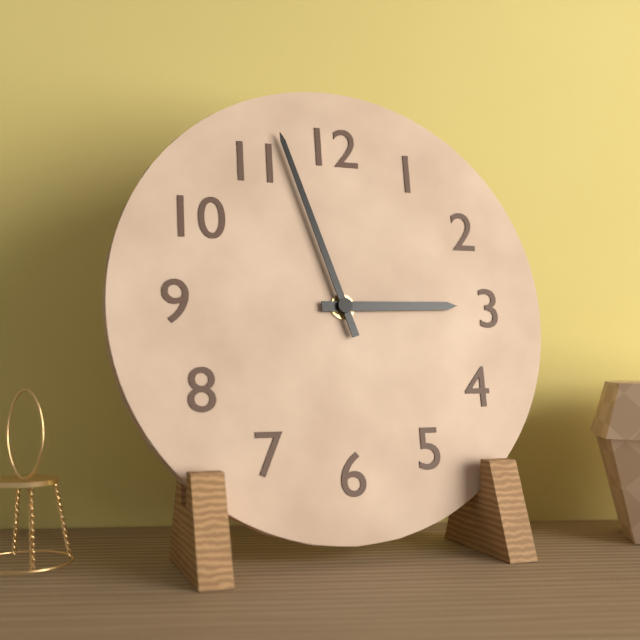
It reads **2:57**
